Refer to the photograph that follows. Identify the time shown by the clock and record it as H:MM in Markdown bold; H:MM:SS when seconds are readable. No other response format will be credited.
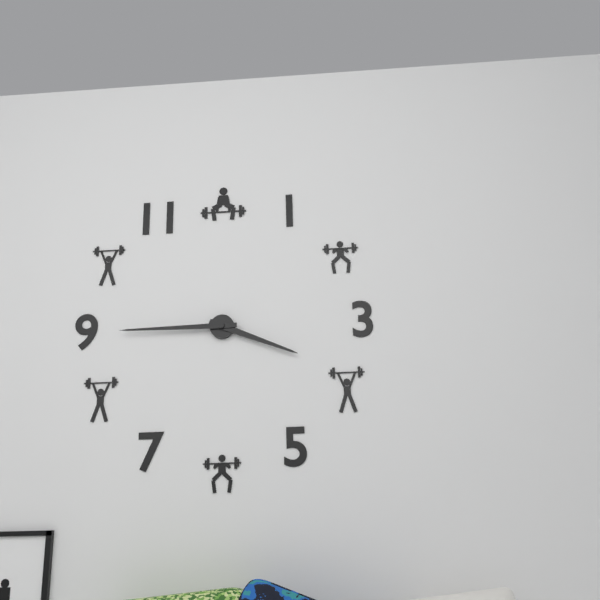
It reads **3:45**
